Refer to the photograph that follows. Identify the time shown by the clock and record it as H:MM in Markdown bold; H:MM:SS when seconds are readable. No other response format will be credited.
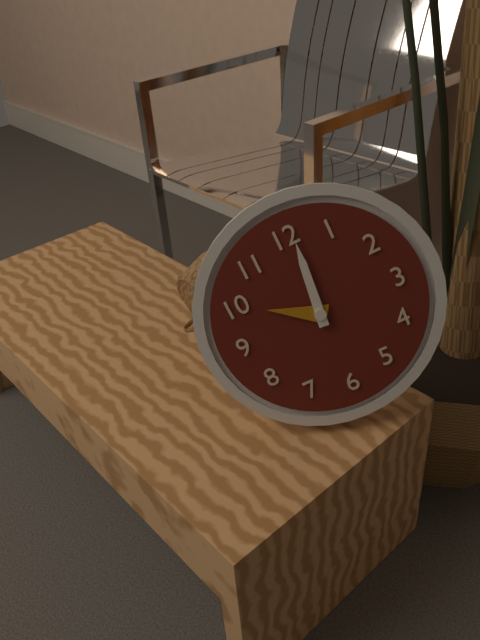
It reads **10:01**
